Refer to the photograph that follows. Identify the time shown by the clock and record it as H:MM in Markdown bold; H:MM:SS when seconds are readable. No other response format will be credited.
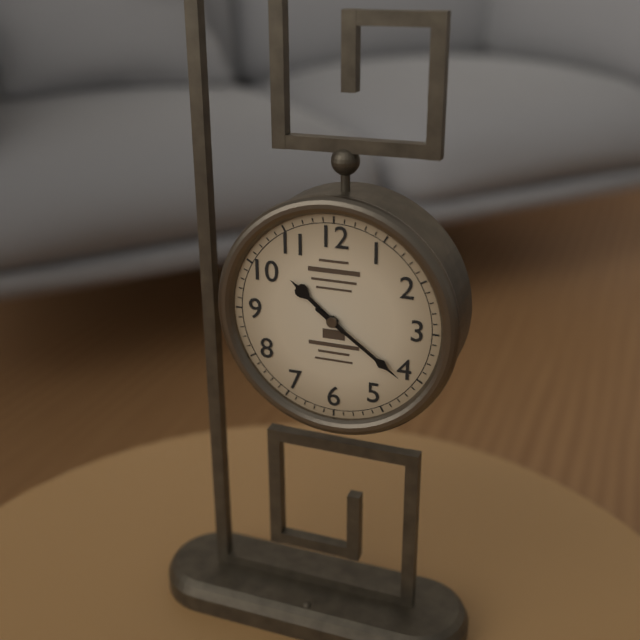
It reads **10:21**
